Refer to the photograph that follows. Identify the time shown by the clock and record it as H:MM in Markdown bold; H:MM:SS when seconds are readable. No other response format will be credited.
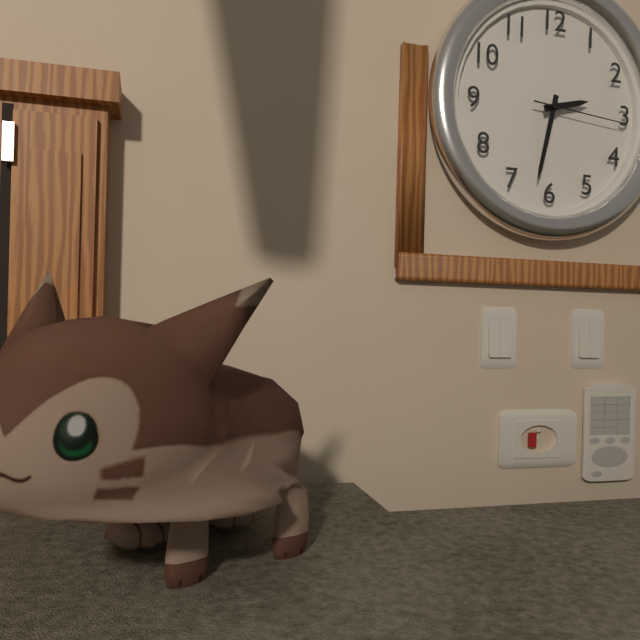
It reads **2:32:16**
